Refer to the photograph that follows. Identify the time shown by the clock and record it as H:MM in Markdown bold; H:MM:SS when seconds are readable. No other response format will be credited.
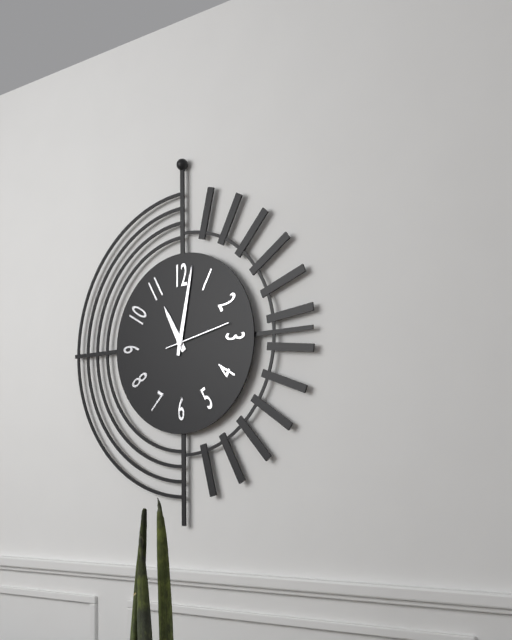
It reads **11:02:13**
